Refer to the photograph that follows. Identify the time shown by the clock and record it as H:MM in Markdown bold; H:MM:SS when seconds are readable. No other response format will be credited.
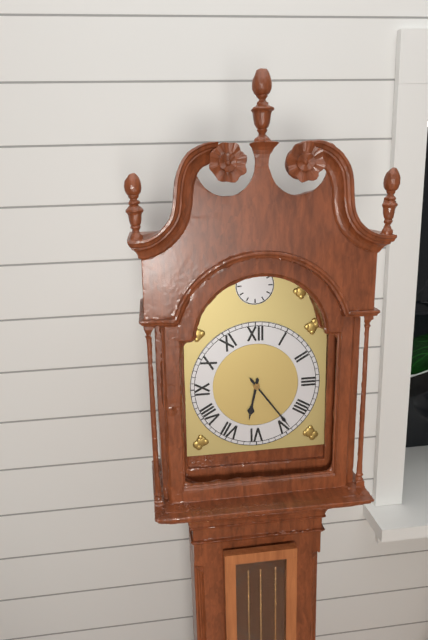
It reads **6:24**
